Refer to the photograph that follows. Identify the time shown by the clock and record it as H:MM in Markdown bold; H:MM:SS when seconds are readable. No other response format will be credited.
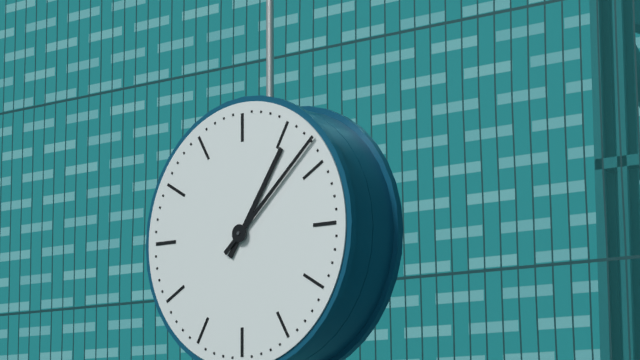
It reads **1:08**
